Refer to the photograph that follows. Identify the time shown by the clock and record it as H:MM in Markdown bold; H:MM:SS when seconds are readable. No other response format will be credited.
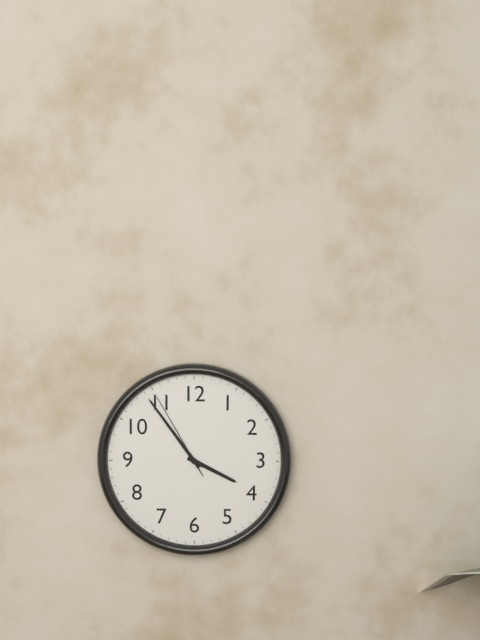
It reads **3:54:55**
